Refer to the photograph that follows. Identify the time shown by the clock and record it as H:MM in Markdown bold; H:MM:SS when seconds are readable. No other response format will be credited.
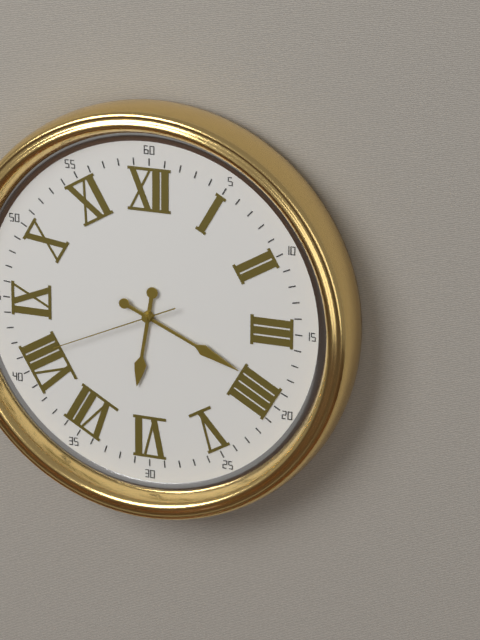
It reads **6:19:41**
